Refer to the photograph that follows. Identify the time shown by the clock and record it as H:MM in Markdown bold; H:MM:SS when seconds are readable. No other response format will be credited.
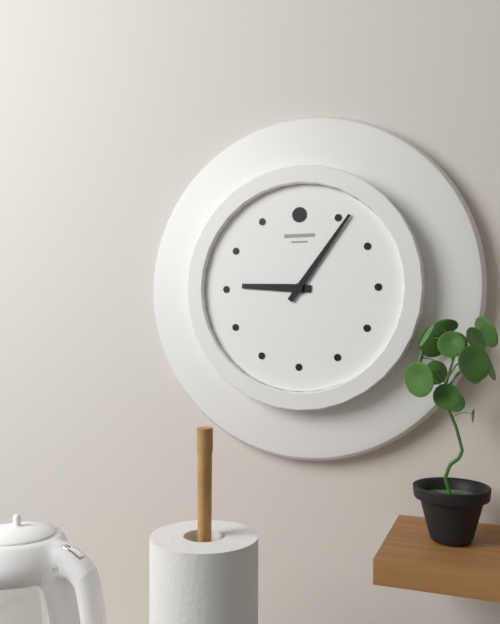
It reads **9:06**
